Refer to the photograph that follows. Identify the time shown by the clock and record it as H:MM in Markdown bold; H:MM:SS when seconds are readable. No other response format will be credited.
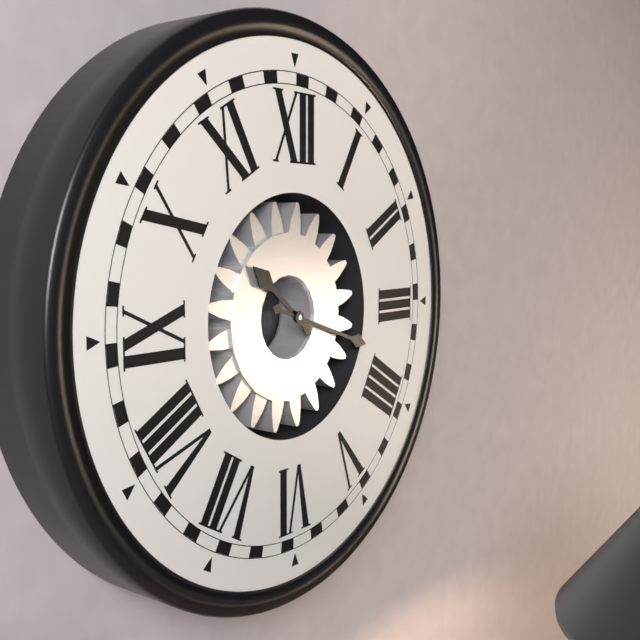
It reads **10:18**
